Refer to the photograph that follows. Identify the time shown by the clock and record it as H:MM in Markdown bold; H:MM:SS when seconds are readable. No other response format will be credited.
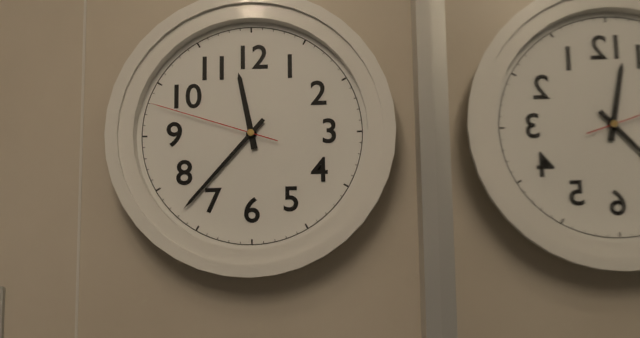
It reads **11:37:48**
